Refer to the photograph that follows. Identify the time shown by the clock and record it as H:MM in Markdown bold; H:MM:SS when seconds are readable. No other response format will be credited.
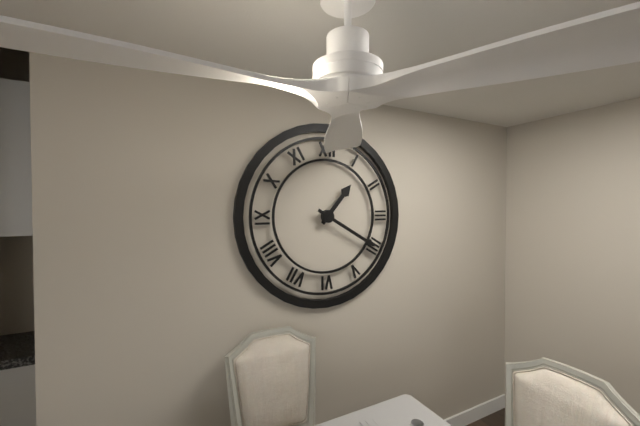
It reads **1:20**
